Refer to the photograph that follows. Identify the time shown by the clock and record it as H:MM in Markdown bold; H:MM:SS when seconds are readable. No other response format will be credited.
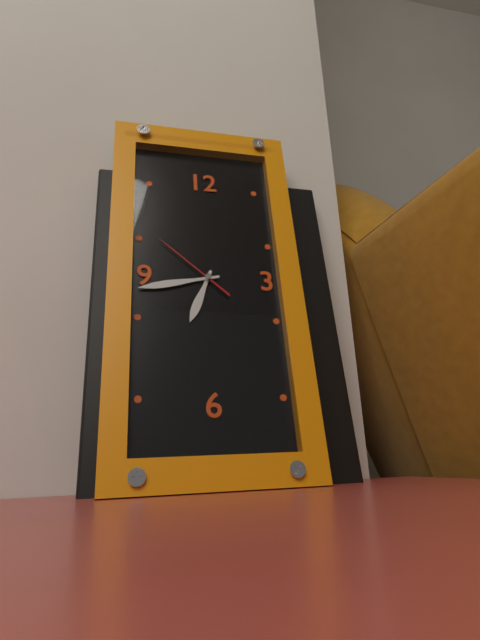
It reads **6:43:52**
